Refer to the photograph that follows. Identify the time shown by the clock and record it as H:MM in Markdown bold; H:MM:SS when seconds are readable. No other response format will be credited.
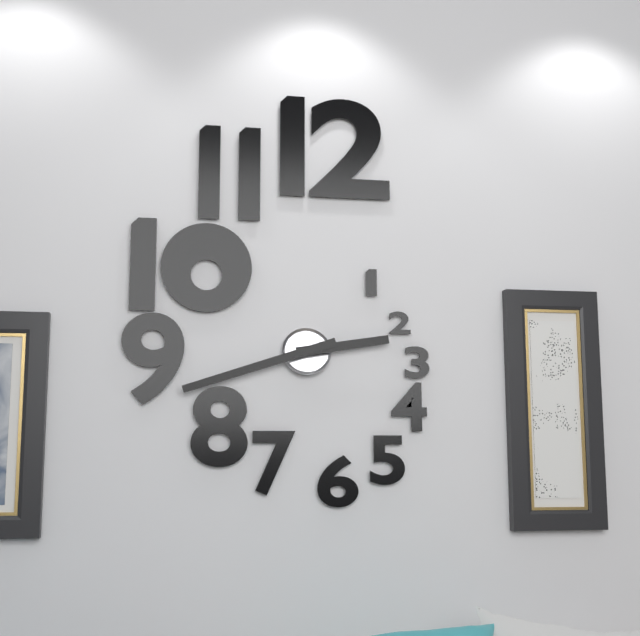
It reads **2:42**
